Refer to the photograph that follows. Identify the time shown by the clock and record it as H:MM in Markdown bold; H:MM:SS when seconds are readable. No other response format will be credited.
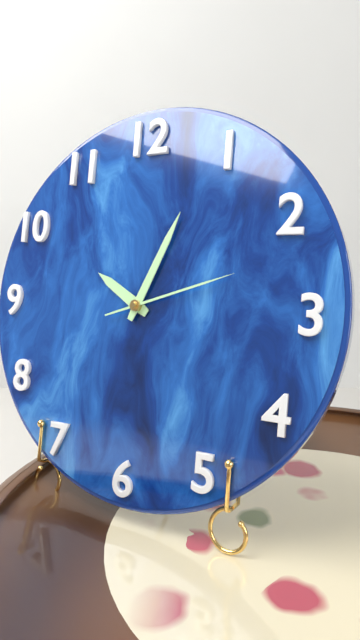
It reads **10:04:12**
